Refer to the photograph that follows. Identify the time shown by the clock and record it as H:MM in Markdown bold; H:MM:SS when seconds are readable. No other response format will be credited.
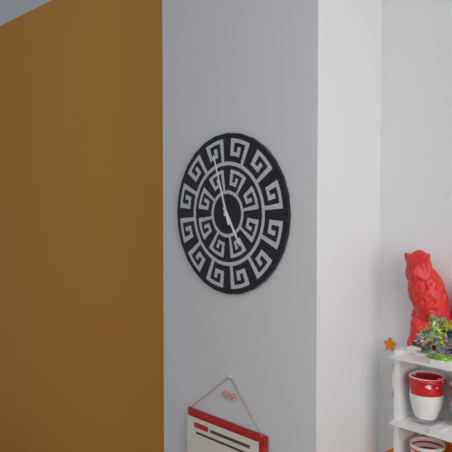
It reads **4:57**
